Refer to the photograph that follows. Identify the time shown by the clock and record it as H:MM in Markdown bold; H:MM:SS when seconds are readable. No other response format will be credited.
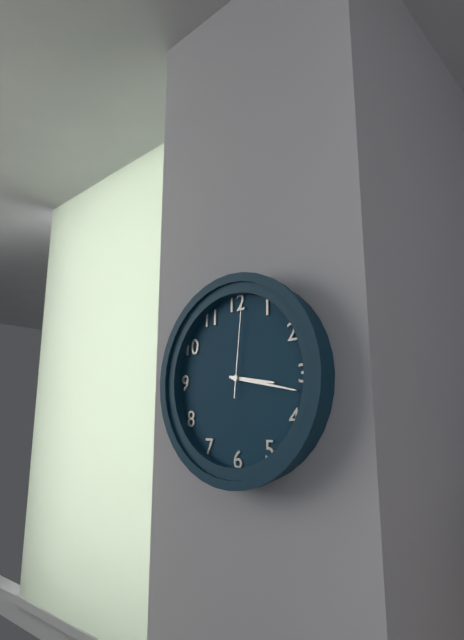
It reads **3:17:01**
